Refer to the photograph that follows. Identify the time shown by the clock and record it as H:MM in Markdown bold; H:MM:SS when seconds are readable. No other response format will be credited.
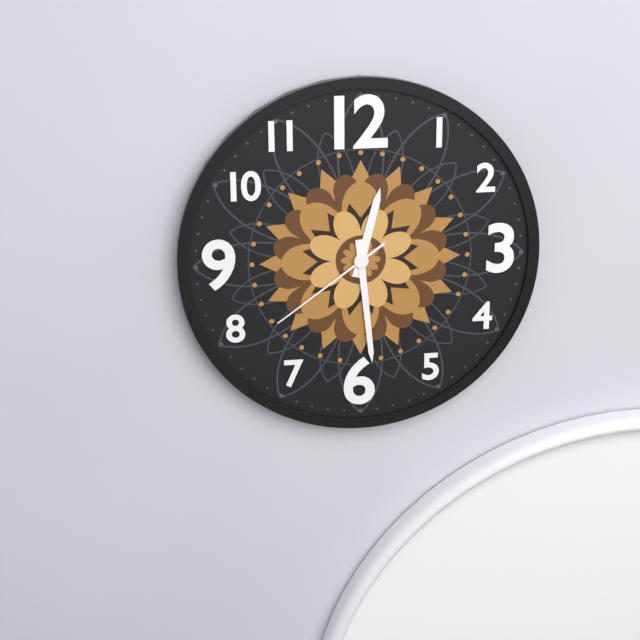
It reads **12:29:39**
